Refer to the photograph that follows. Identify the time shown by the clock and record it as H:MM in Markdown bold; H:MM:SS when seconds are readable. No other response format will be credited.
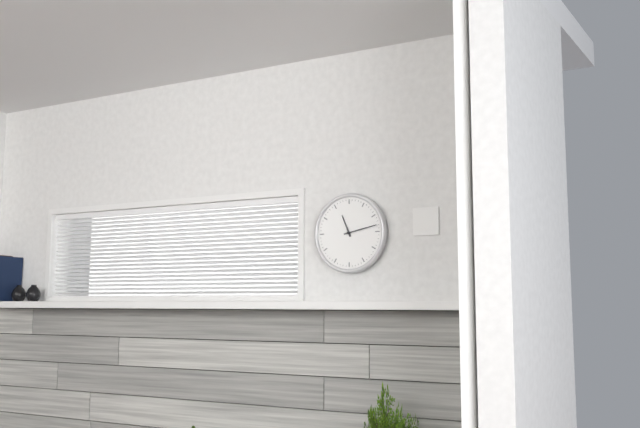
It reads **11:13**
